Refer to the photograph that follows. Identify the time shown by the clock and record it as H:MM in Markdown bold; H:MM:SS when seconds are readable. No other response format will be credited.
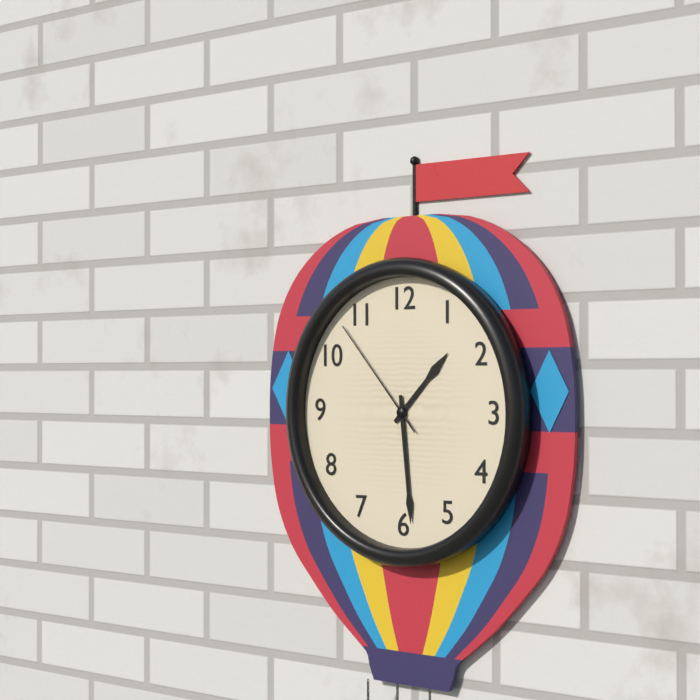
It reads **1:29:53**
